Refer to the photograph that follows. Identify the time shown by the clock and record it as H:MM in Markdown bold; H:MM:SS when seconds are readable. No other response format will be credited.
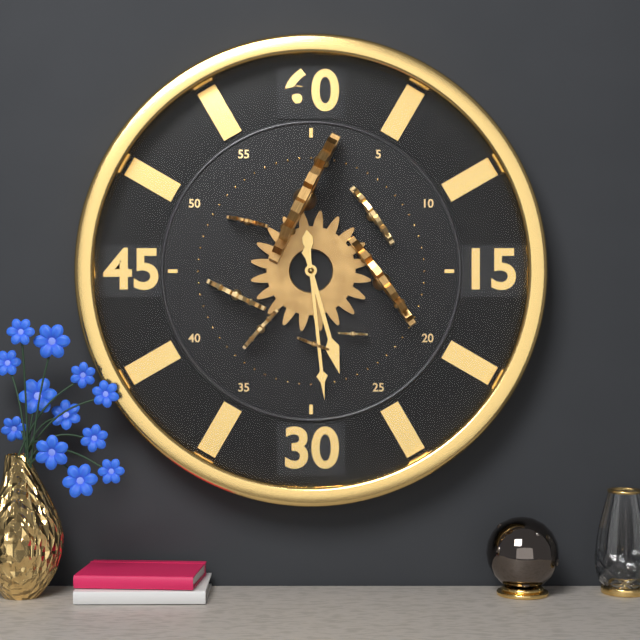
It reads **5:29**
